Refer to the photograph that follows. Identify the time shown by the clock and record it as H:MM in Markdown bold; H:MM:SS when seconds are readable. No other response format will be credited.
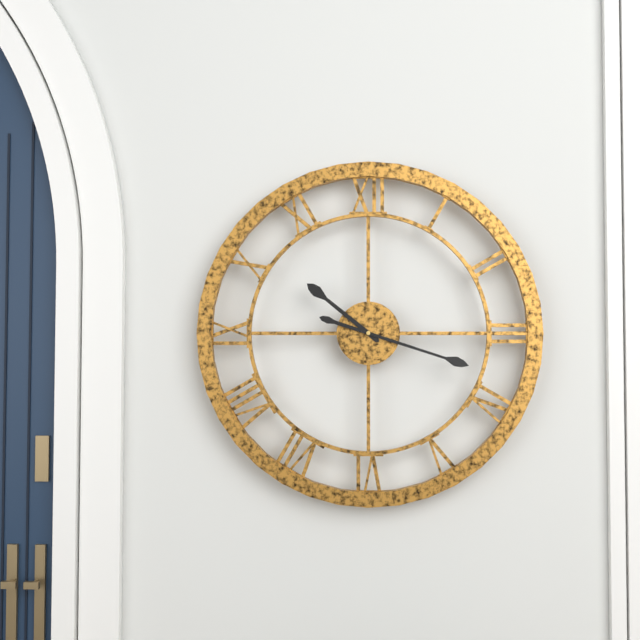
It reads **10:18**
